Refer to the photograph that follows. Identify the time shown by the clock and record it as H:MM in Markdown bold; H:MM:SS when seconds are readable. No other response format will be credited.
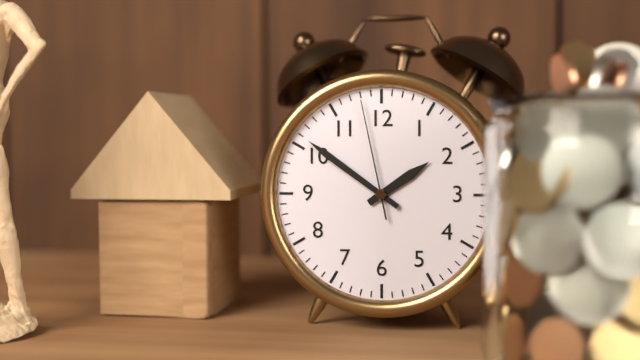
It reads **1:51:58**
